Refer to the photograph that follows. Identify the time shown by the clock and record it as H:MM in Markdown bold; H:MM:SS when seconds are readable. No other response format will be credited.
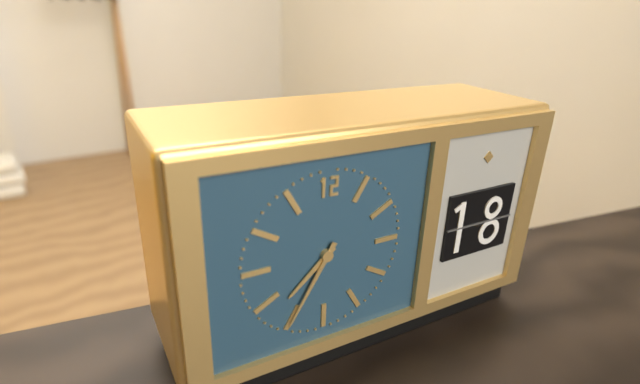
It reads **7:35**
